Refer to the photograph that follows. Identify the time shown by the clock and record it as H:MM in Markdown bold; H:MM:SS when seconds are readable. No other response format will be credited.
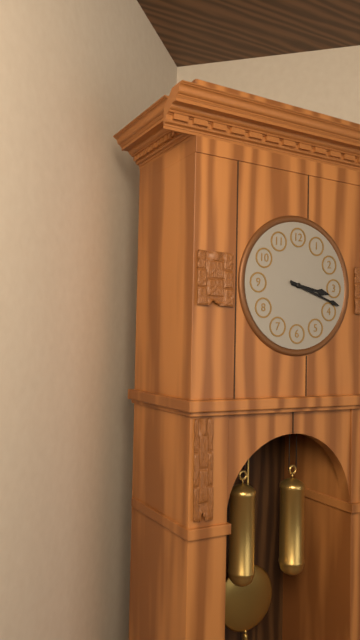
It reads **3:18**
